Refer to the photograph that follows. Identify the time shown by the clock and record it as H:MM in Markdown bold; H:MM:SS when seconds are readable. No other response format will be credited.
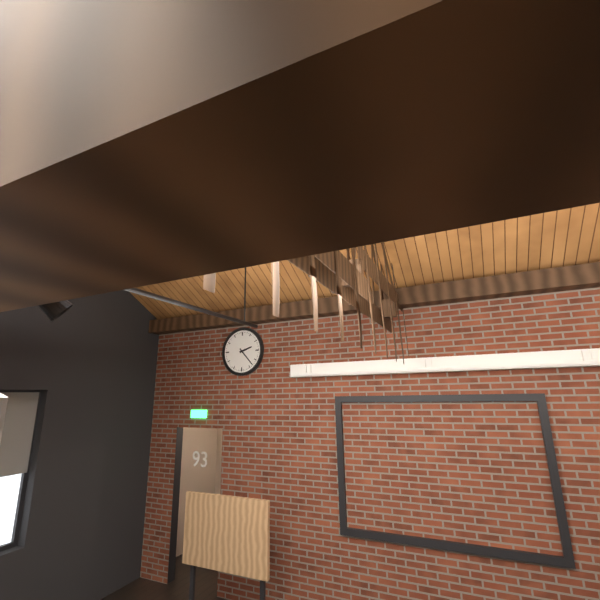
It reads **2:23**
